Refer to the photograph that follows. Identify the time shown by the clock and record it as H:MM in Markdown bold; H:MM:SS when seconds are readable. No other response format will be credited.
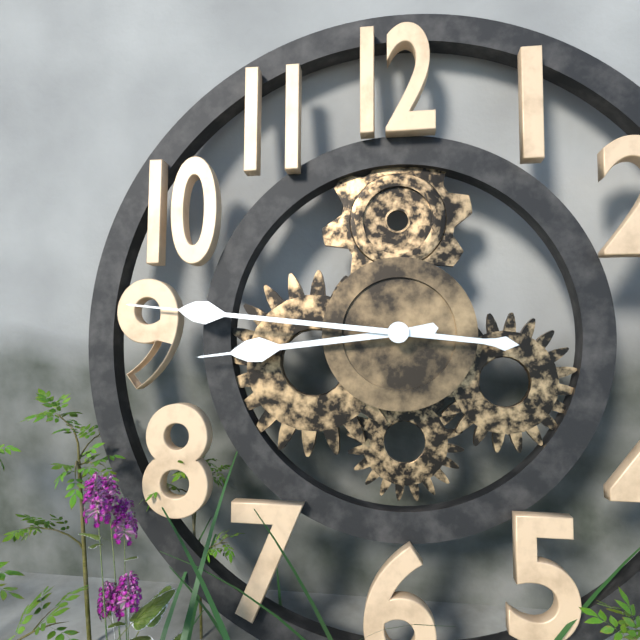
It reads **8:46**
